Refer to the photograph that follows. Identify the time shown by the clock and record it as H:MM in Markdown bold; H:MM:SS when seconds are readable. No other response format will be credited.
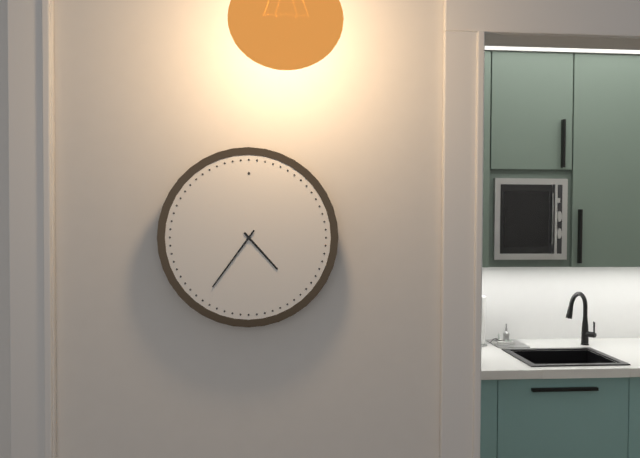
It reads **4:36**
